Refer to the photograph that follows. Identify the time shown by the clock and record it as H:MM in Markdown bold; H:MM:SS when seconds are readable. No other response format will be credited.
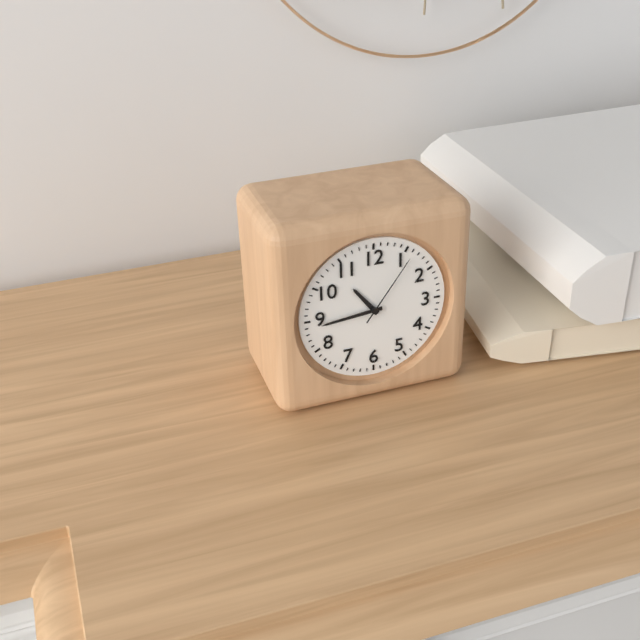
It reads **10:44:06**
